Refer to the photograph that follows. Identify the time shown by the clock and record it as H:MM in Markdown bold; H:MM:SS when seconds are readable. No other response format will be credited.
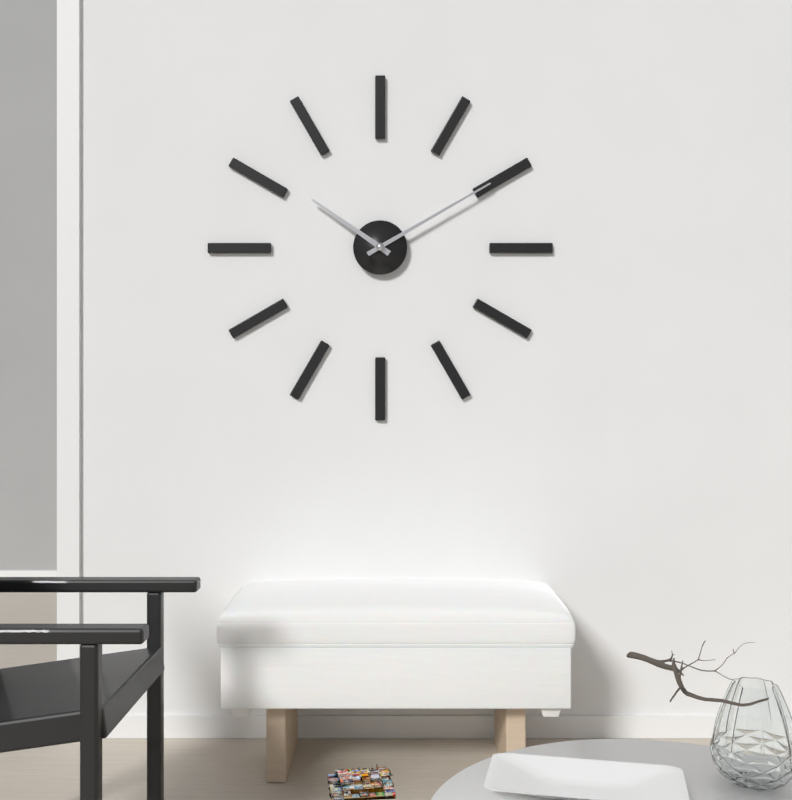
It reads **10:10**
